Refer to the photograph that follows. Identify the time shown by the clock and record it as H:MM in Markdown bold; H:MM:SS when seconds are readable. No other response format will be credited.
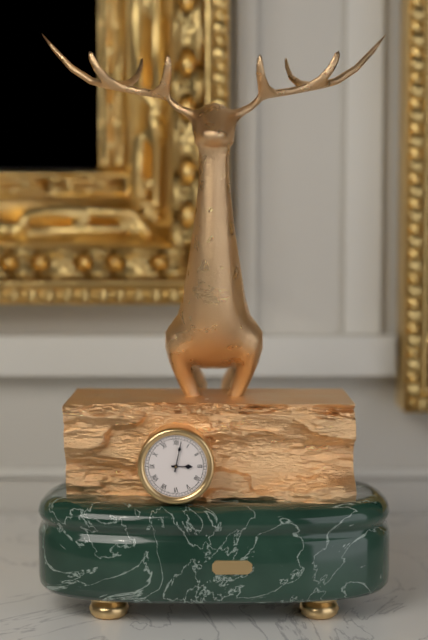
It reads **3:02**
